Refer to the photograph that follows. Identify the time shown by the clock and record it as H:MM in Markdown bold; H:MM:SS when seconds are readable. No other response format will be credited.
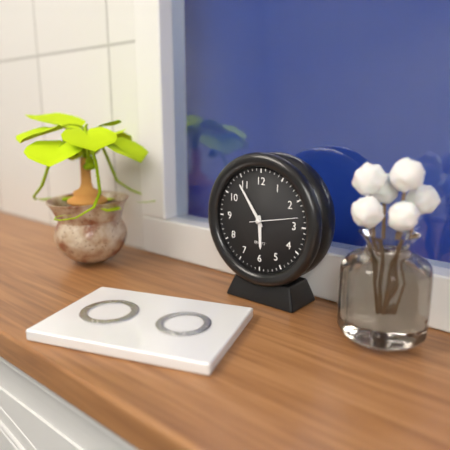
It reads **5:54**
